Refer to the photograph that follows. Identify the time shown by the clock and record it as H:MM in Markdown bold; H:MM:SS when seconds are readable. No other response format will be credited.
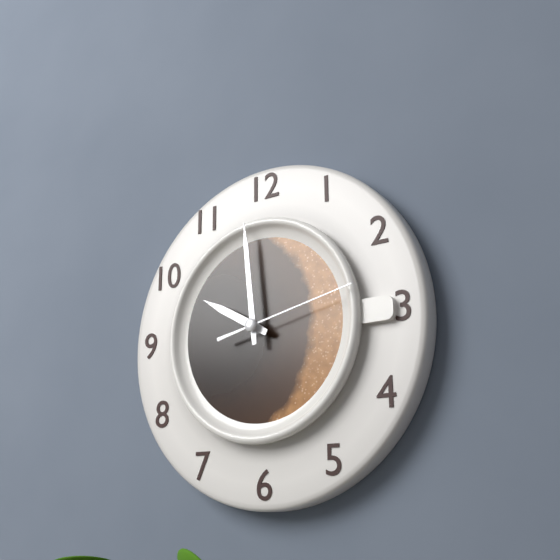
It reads **9:59:13**
